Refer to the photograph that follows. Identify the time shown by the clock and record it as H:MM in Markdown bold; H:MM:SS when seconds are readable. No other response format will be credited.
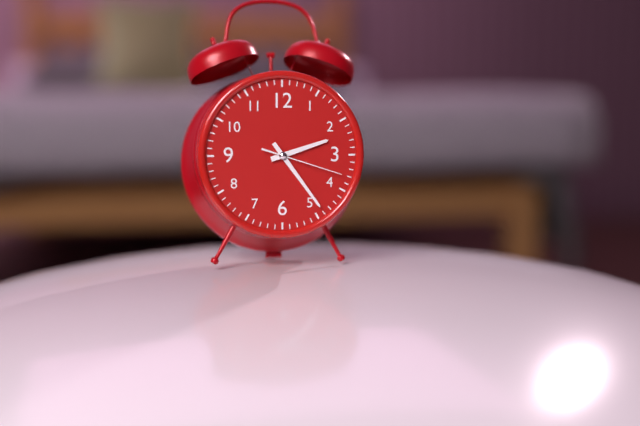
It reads **2:24:18**
